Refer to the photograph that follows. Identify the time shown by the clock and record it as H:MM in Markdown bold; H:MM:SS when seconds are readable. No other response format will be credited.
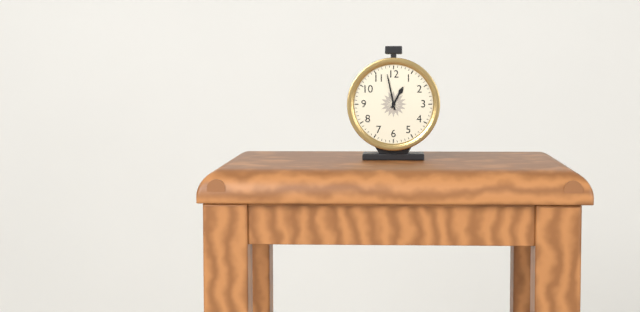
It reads **12:58**
